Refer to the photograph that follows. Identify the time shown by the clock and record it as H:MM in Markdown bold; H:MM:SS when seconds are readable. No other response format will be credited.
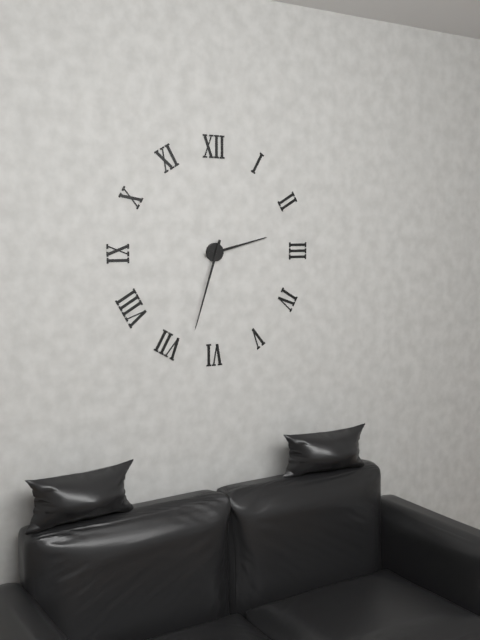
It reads **2:33**
